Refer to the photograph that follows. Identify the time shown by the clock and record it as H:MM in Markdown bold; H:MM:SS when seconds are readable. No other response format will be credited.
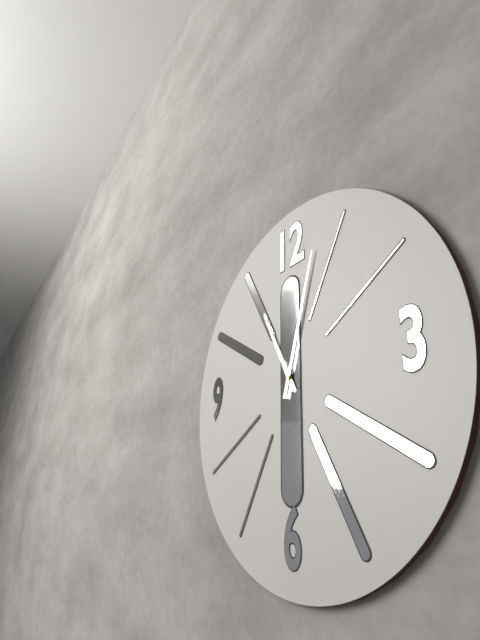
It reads **11:03**
